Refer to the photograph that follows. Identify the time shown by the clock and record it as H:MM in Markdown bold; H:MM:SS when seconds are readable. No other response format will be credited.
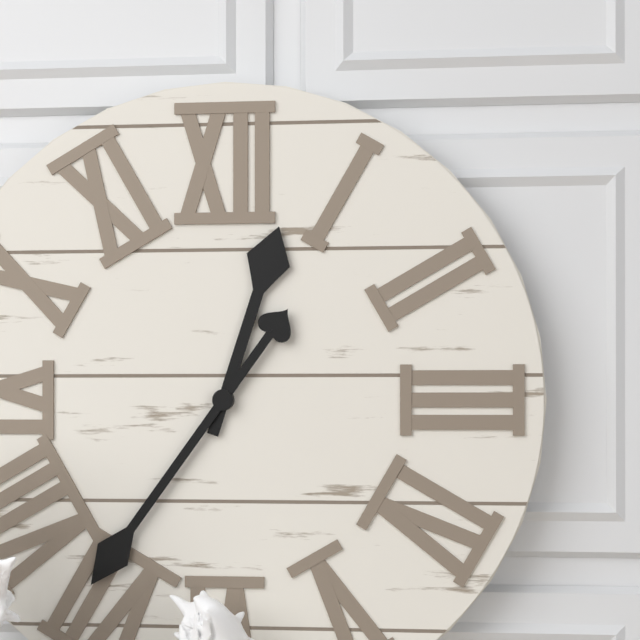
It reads **12:36**
